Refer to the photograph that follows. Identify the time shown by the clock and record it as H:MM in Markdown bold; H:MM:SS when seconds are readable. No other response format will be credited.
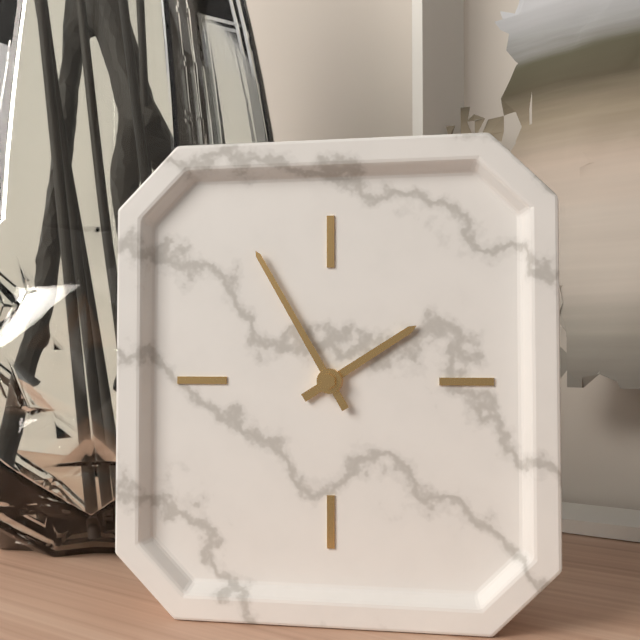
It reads **1:55**
